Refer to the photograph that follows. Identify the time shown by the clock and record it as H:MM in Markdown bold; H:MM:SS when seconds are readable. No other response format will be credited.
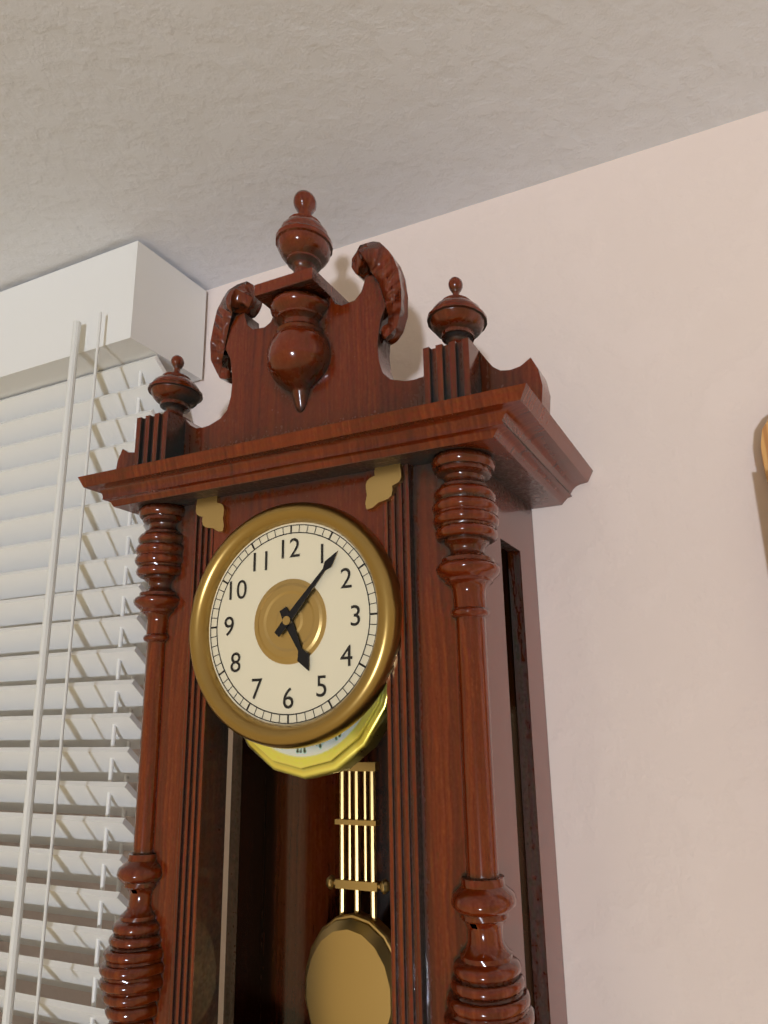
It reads **5:07**
